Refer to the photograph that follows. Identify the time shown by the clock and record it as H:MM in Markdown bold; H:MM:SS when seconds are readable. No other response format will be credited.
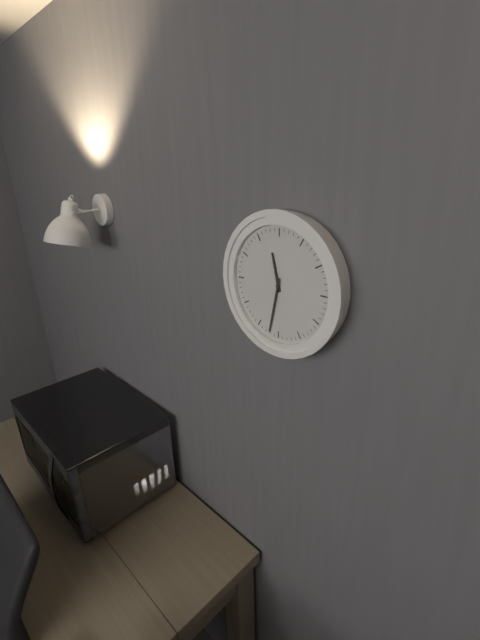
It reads **11:32**
